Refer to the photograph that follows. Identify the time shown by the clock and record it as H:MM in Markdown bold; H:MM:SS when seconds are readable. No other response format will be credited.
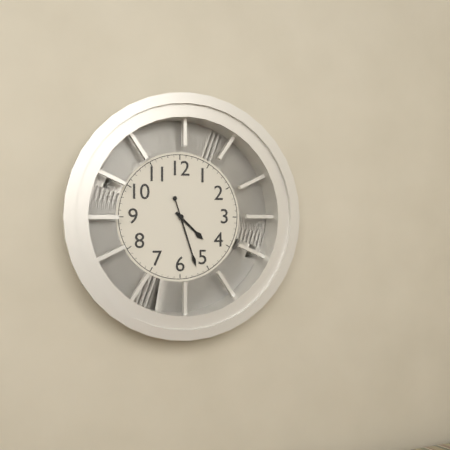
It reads **4:27**
